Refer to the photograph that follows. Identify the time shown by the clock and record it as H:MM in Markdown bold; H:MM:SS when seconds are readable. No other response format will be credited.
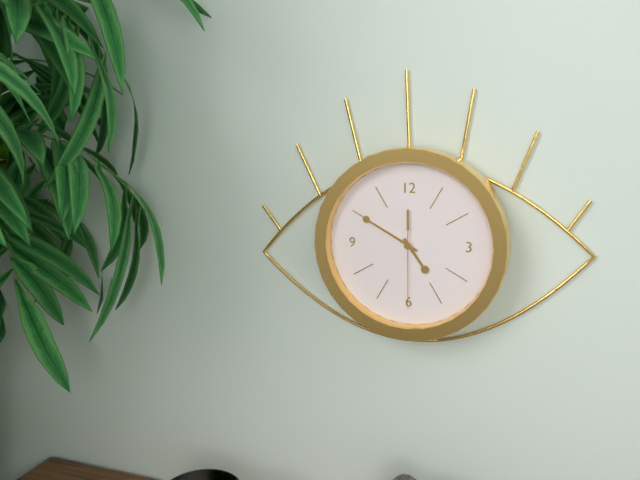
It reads **4:50:30**
